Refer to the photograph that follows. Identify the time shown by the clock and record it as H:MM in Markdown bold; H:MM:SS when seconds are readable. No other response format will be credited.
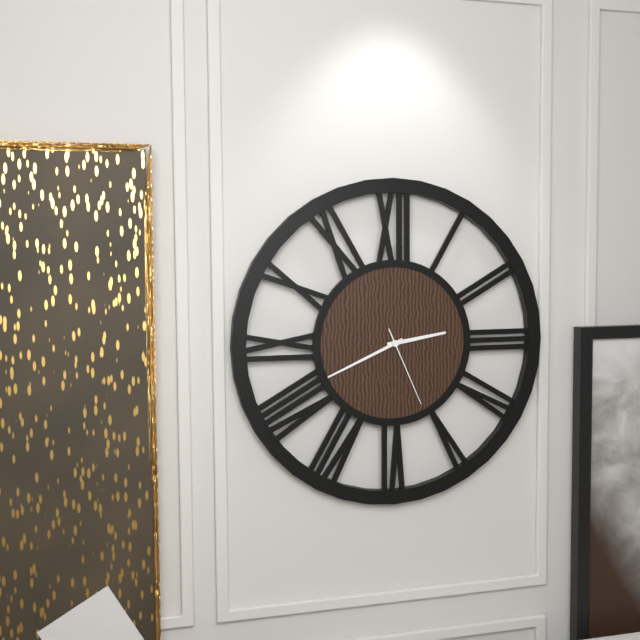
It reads **2:41:26**
